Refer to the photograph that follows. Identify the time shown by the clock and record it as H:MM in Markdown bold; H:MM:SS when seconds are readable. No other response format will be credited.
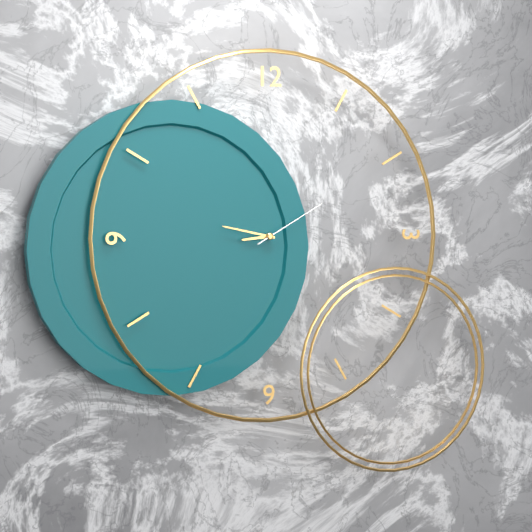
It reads **8:47:10**
